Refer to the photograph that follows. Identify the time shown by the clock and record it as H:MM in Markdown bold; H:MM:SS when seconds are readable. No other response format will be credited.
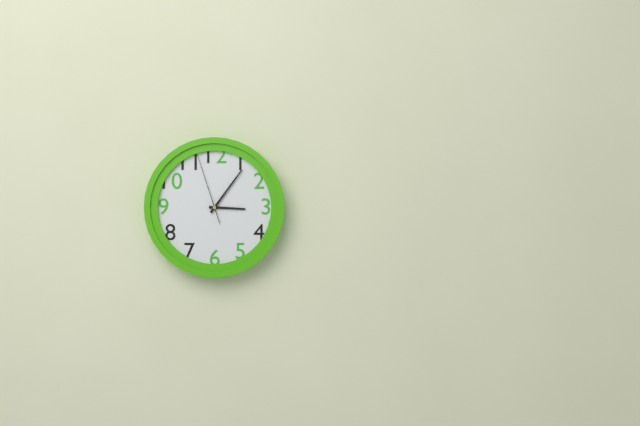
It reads **3:06:57**
